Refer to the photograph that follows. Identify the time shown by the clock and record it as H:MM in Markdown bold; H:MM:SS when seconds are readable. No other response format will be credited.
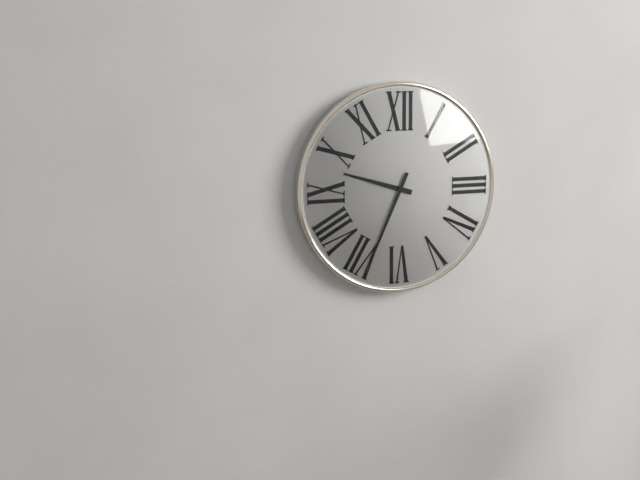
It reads **9:34**
